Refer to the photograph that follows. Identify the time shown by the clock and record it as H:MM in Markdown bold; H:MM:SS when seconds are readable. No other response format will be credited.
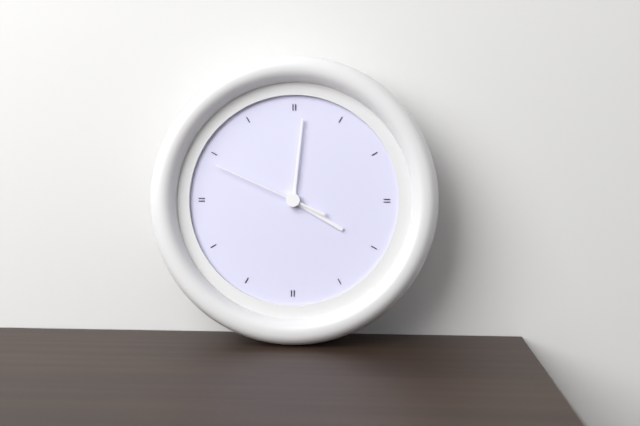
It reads **4:01:49**
